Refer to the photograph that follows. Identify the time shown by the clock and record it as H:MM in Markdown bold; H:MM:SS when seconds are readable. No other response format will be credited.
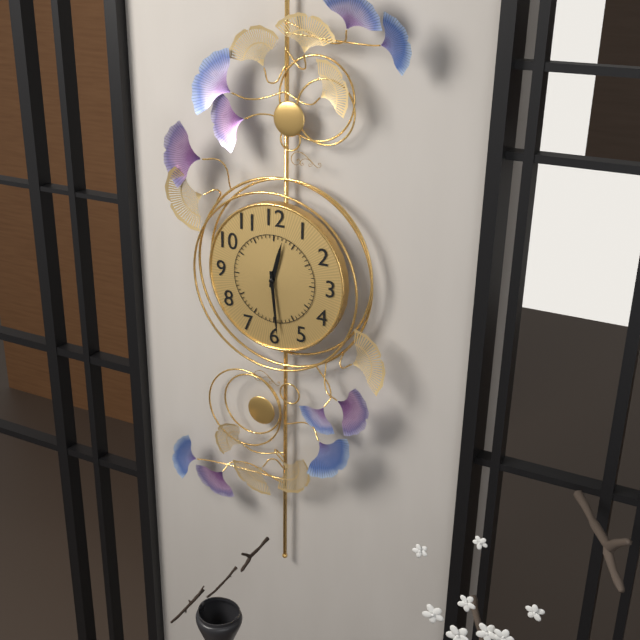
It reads **12:29**
